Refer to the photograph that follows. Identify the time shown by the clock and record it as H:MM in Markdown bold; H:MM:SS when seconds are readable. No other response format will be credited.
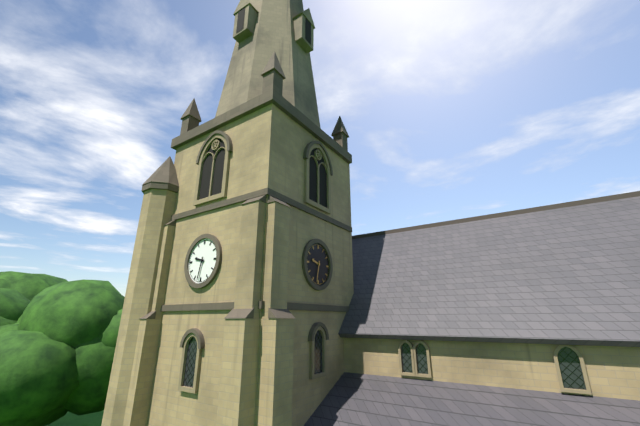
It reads **9:32**
